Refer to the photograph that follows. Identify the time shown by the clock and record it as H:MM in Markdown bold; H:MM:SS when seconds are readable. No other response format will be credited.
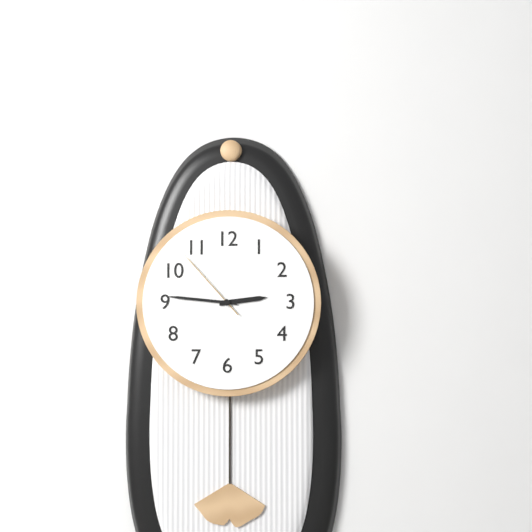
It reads **2:46:53**
